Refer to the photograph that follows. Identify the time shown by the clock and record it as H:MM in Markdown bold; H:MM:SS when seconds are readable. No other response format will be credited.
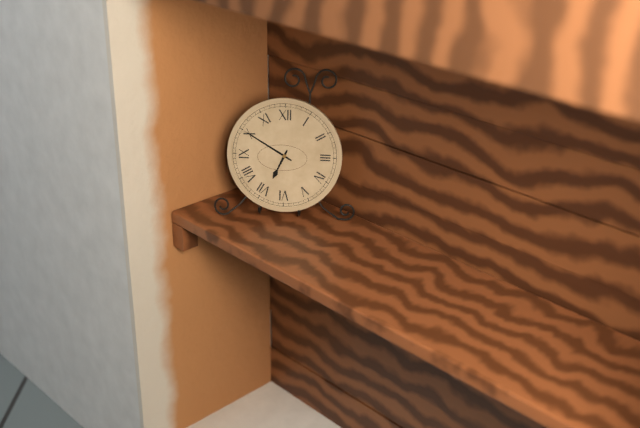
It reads **6:50**
